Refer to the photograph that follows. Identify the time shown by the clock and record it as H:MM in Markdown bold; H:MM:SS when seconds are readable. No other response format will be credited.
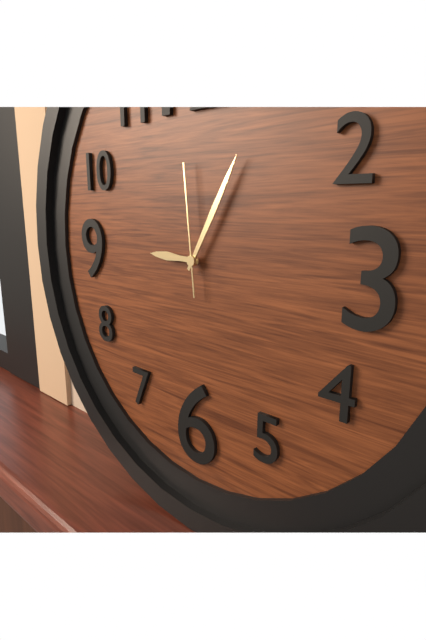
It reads **9:05:59**
